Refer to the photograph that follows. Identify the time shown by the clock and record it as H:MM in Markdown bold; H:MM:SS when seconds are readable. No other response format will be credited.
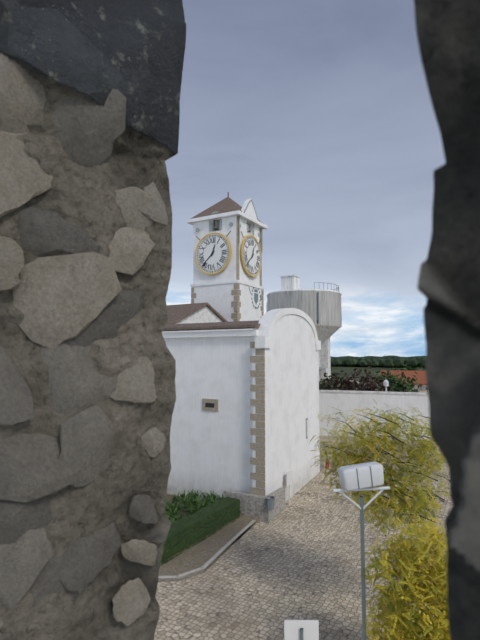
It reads **12:38**
